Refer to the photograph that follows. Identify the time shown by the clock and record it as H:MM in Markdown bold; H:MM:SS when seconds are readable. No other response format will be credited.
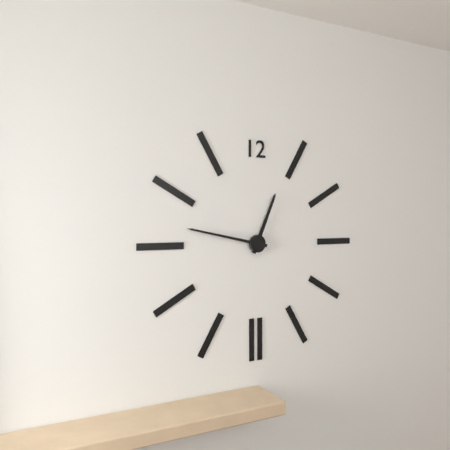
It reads **12:47**
